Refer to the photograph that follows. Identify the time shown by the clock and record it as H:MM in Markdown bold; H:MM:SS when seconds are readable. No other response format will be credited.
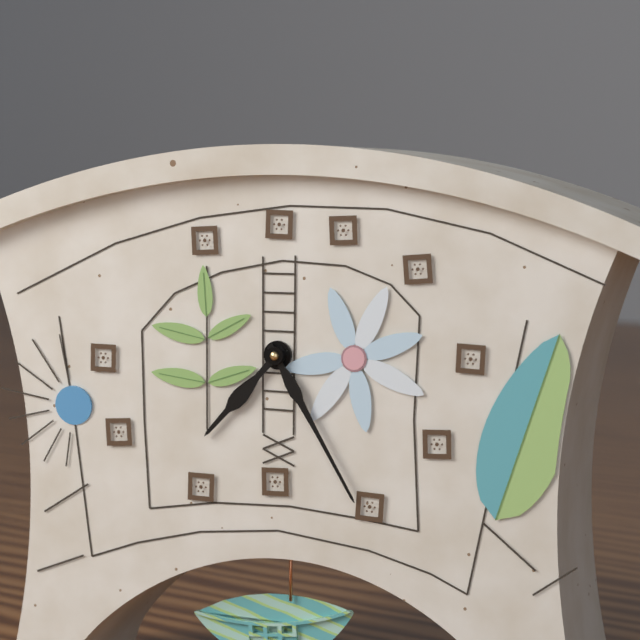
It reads **7:25**
